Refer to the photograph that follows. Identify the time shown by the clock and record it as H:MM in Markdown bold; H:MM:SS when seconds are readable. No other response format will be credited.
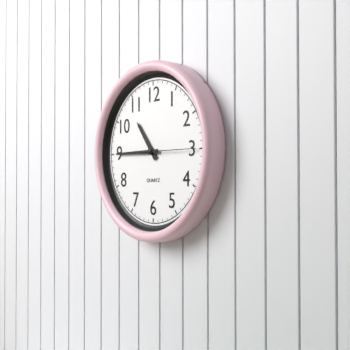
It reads **10:45**
